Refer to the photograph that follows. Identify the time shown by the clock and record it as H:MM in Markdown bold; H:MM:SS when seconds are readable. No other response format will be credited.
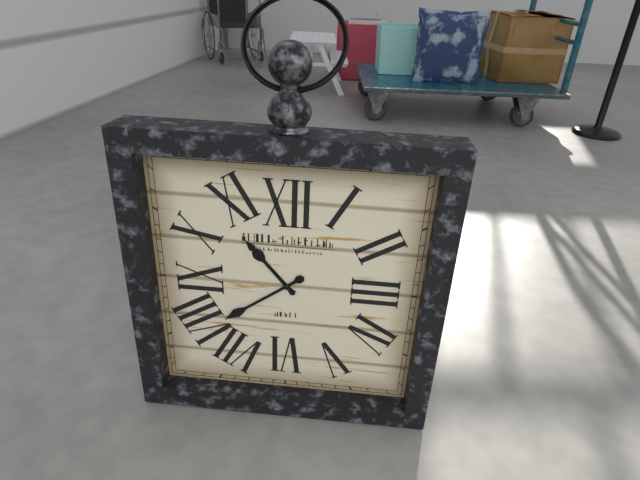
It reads **10:39**
